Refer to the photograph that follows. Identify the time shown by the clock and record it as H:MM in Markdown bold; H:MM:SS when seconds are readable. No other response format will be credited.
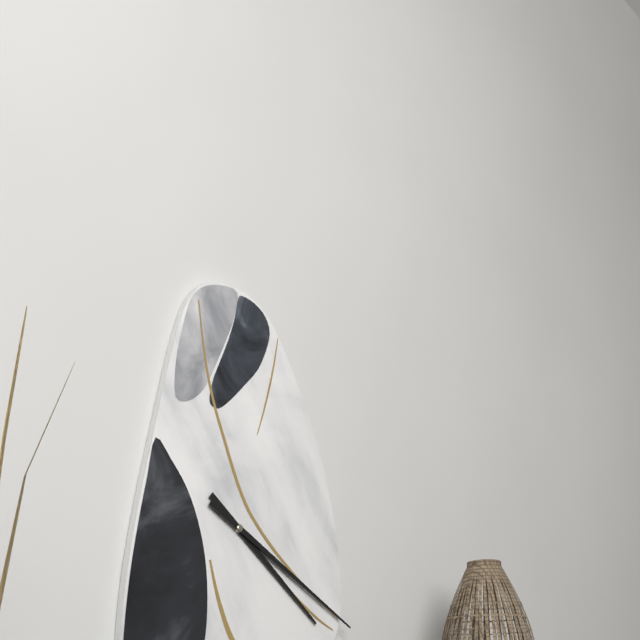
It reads **4:20**
